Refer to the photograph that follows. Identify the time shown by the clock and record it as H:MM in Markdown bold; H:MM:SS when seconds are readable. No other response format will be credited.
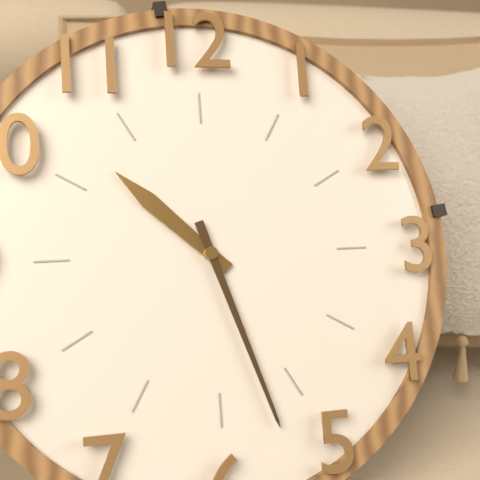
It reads **10:27**
